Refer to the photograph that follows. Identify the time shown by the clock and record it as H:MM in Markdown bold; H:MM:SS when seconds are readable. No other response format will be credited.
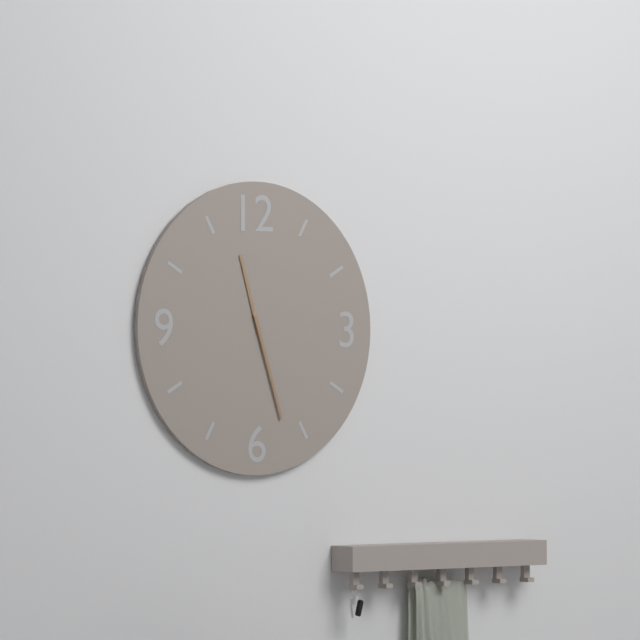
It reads **11:27**
